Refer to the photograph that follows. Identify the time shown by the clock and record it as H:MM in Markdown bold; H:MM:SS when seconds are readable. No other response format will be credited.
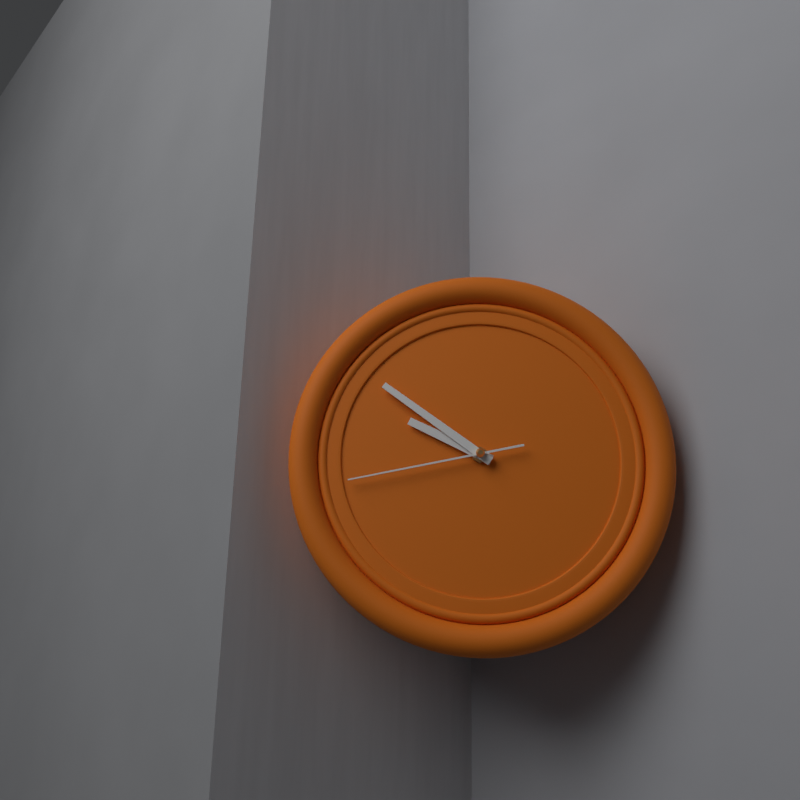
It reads **9:51:43**
